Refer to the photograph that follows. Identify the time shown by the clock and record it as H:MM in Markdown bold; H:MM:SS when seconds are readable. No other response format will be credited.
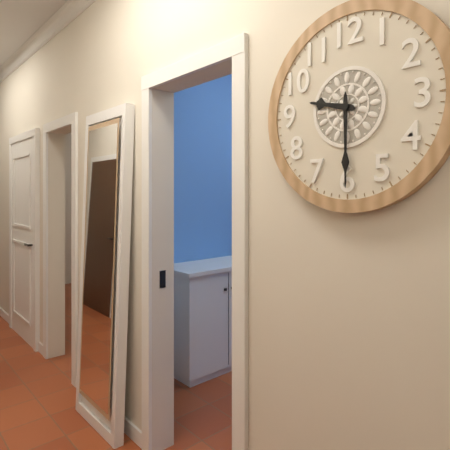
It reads **9:30**
